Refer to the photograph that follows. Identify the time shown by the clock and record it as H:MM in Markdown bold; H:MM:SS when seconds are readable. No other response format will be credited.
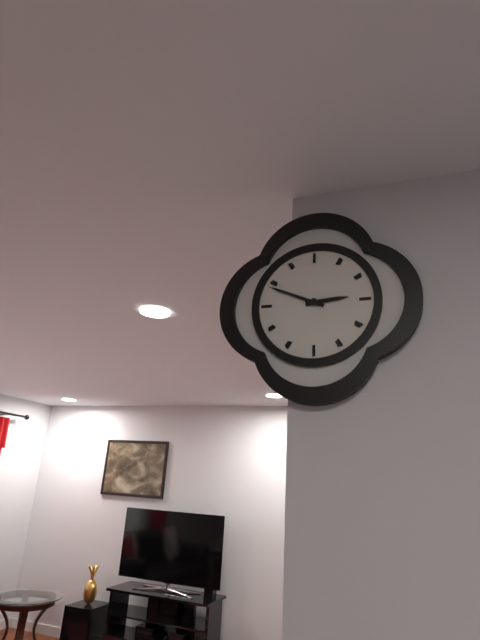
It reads **2:49**
